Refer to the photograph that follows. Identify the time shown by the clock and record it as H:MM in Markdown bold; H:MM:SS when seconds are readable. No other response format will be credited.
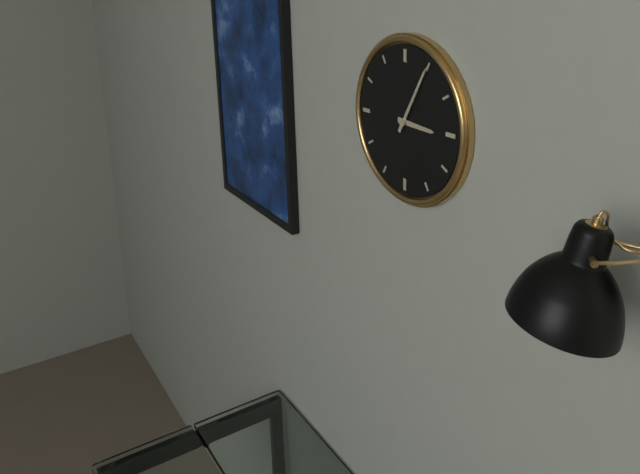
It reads **3:05**
